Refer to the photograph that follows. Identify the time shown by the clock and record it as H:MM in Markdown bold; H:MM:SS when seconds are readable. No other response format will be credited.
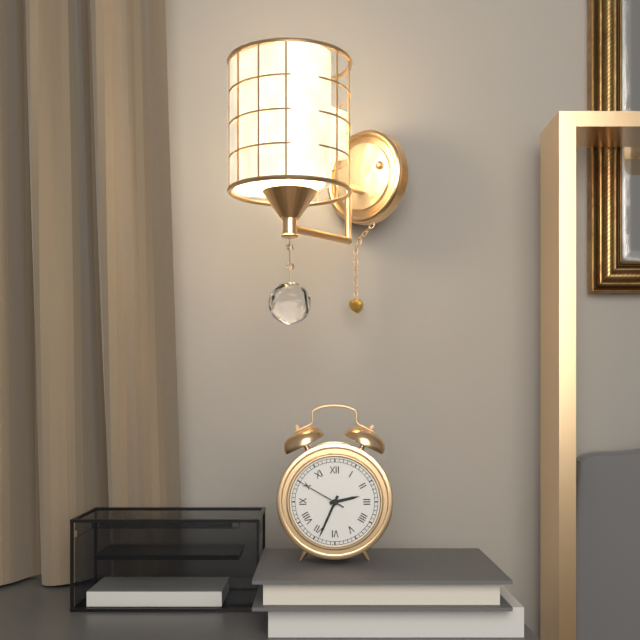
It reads **2:34:50**
